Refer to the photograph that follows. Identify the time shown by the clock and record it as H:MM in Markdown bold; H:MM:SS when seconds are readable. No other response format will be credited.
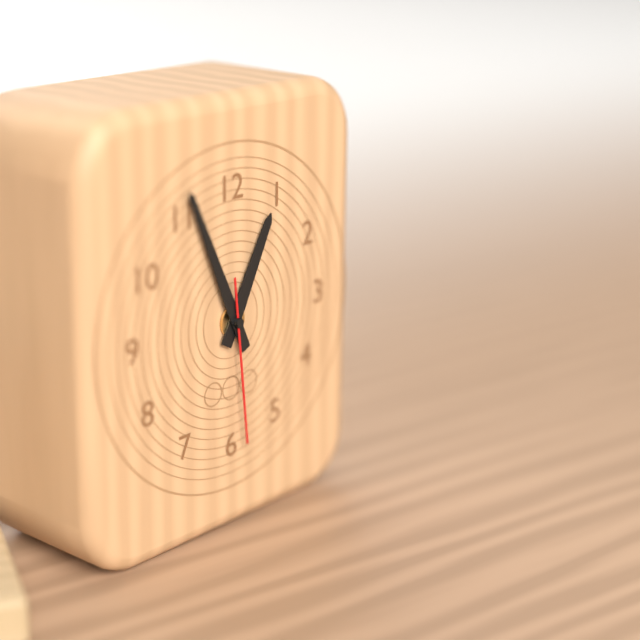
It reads **12:56:29**
